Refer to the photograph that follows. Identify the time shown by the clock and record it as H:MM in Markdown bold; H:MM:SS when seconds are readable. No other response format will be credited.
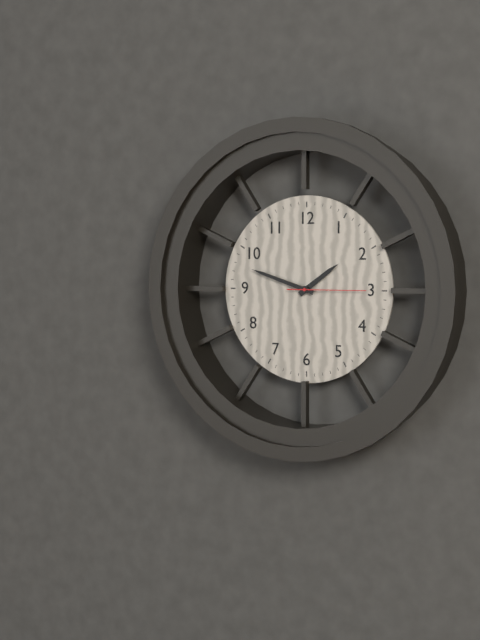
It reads **1:48:15**
